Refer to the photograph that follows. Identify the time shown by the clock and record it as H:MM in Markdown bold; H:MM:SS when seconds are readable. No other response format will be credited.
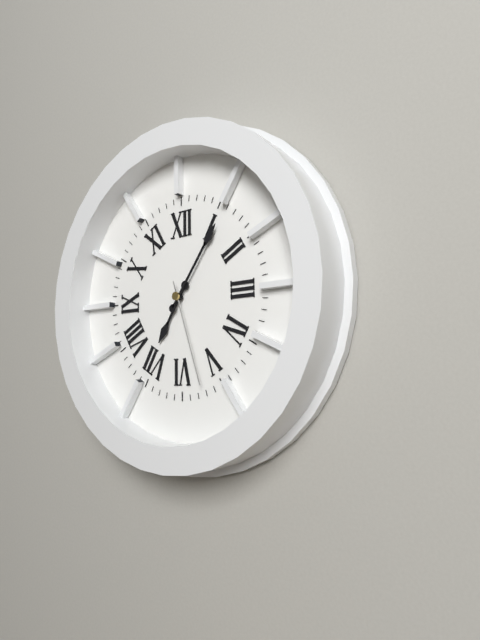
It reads **7:06:27**
